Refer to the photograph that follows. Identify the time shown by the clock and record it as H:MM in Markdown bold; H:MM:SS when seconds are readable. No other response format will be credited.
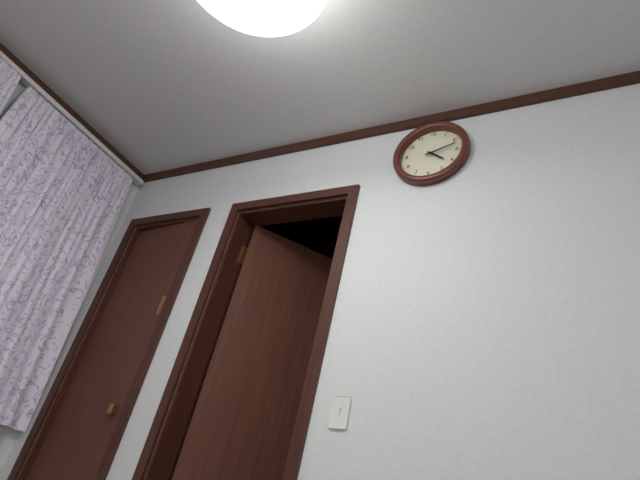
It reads **4:12**
